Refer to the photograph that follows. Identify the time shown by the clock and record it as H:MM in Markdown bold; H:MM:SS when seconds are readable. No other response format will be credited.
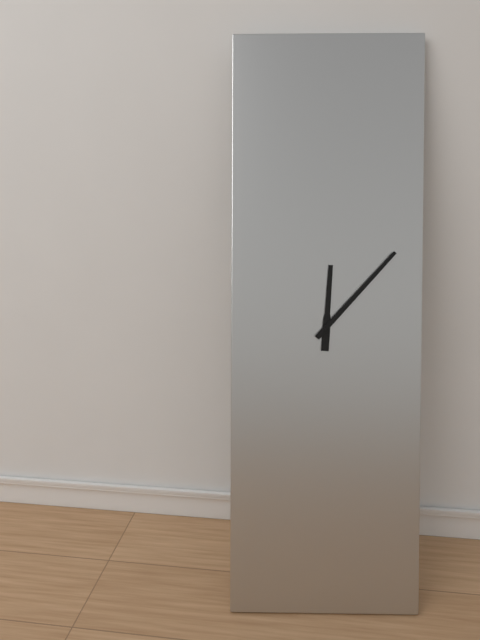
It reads **12:07**
